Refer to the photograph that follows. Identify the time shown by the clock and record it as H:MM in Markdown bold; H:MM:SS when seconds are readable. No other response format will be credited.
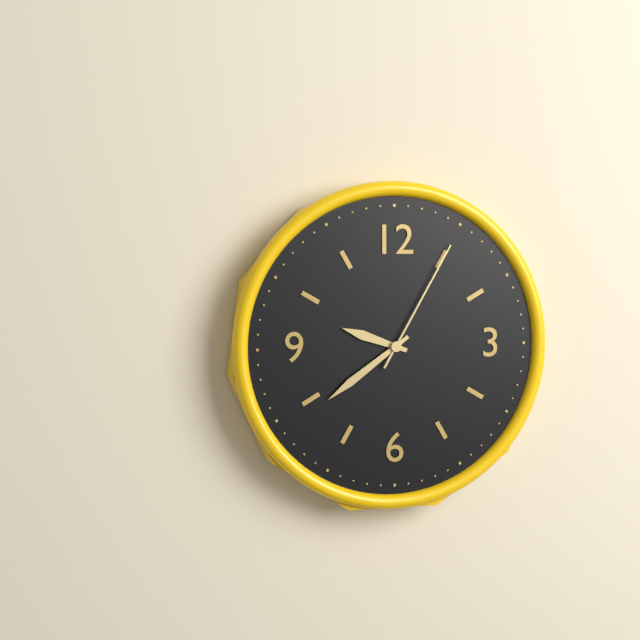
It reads **9:39:05**
